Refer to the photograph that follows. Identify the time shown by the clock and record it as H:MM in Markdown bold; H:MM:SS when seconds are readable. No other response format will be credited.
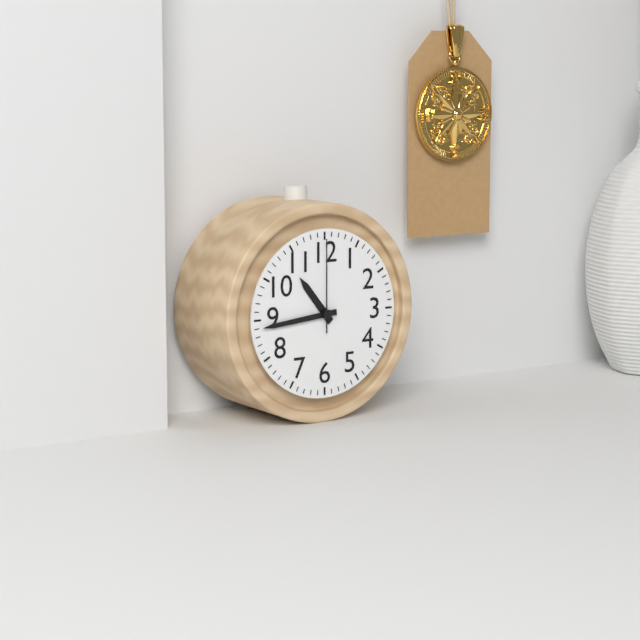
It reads **10:44:00**
